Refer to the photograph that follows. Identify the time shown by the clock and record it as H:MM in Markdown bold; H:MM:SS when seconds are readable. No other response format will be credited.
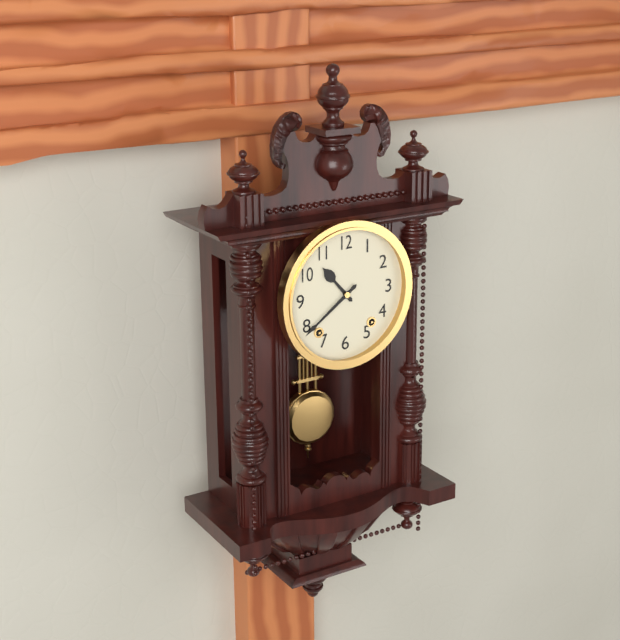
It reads **10:39**
